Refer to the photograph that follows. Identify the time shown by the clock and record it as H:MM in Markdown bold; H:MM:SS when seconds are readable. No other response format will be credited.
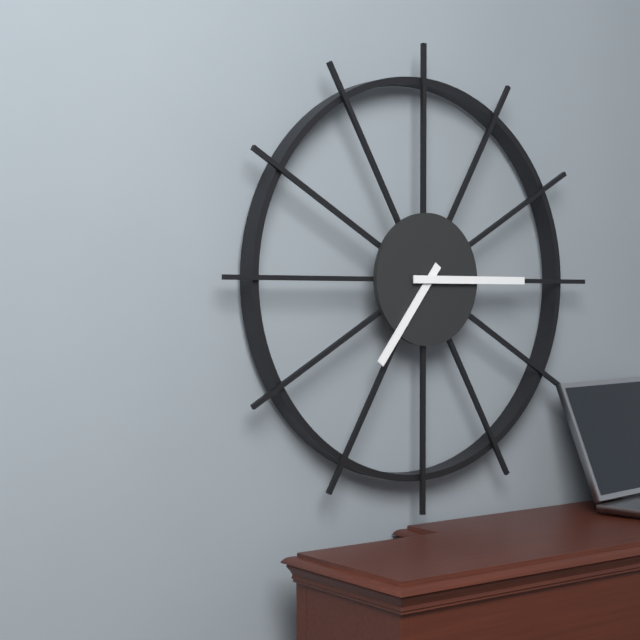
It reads **7:15**
